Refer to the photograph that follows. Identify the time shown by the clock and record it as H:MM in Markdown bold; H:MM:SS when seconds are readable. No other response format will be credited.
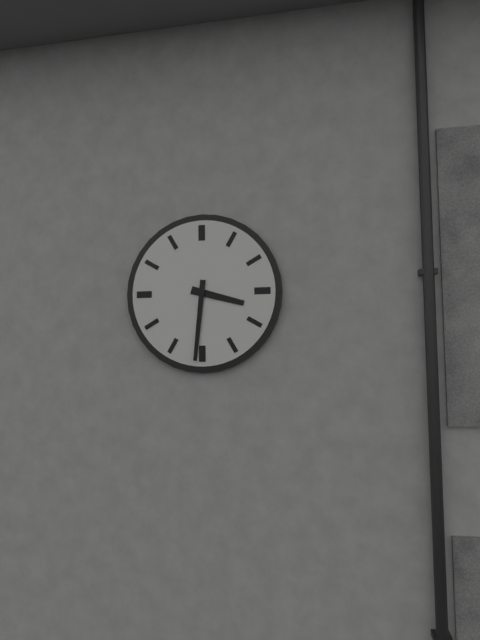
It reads **3:31**
